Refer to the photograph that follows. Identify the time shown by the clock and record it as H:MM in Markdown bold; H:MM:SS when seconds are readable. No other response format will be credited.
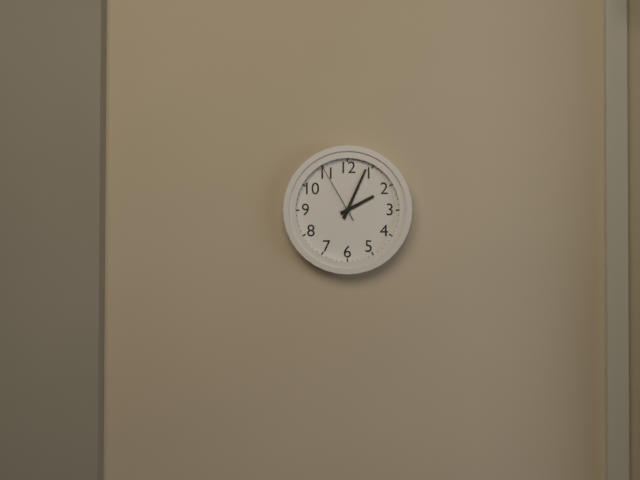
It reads **2:04:55**
